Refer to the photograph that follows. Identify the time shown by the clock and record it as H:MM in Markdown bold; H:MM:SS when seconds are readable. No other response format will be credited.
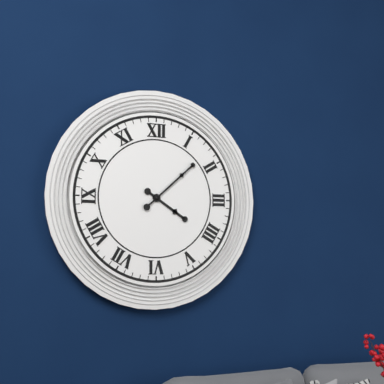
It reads **4:08**
